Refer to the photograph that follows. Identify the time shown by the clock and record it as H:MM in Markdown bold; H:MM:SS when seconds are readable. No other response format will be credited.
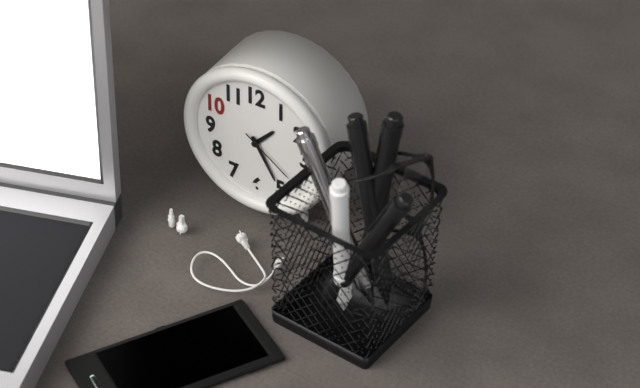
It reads **1:25:21**
